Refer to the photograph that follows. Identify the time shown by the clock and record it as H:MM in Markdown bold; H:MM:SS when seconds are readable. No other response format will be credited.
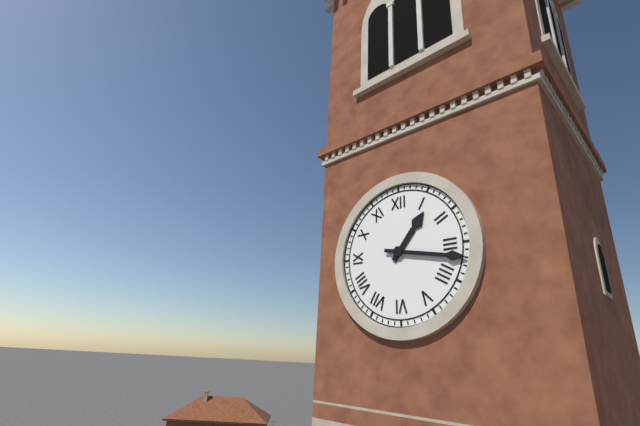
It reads **1:17**
